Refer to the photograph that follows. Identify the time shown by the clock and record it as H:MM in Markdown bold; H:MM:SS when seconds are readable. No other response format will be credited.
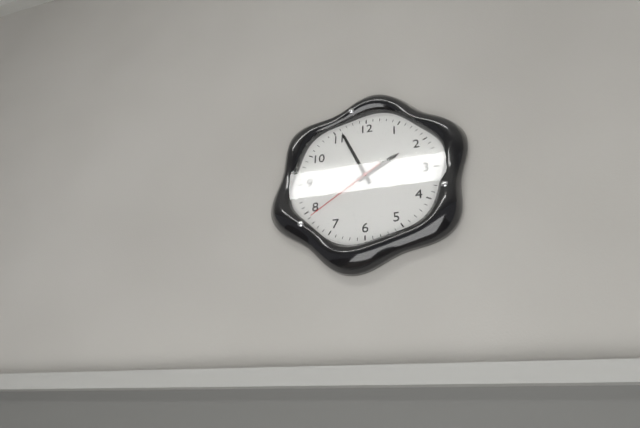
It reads **1:56:39**
